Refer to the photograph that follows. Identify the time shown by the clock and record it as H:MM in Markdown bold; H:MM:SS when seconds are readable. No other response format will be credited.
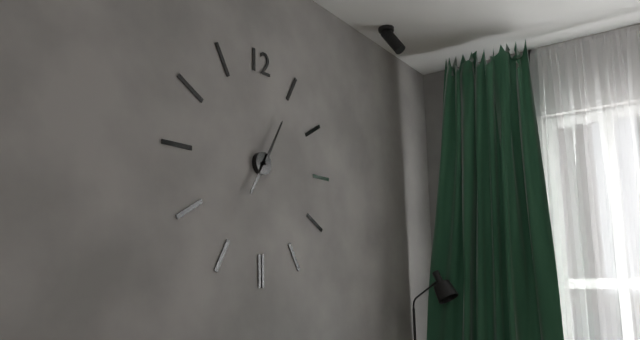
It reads **7:05**
